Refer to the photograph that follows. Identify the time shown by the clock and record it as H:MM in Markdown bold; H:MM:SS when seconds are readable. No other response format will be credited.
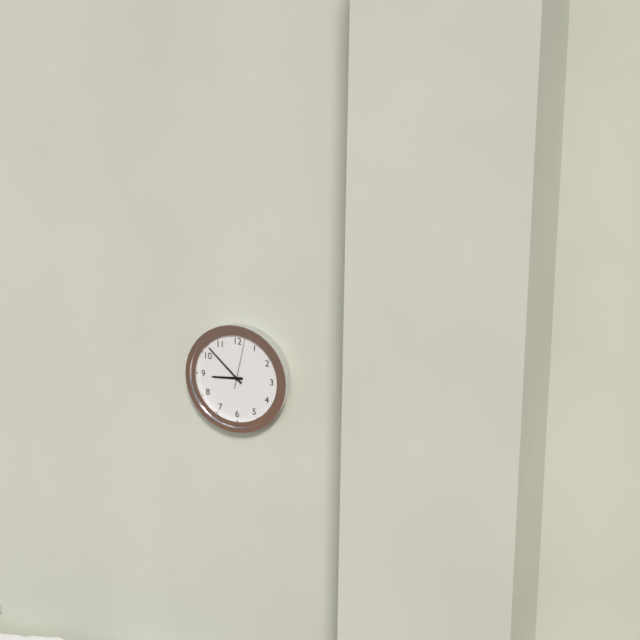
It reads **8:52:02**
